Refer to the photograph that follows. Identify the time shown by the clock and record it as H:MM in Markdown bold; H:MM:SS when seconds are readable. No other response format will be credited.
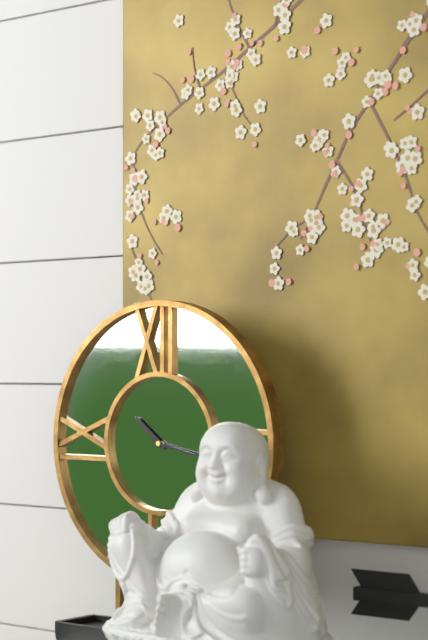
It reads **10:17**
